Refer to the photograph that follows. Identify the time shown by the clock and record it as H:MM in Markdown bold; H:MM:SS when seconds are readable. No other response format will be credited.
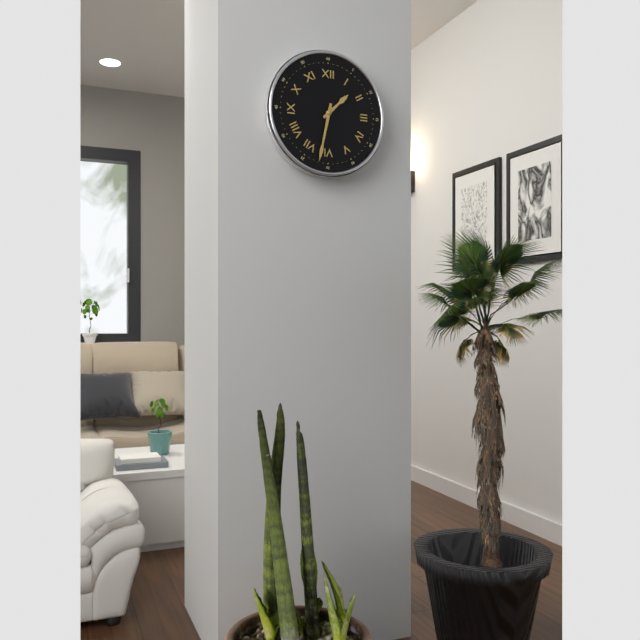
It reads **1:32**
